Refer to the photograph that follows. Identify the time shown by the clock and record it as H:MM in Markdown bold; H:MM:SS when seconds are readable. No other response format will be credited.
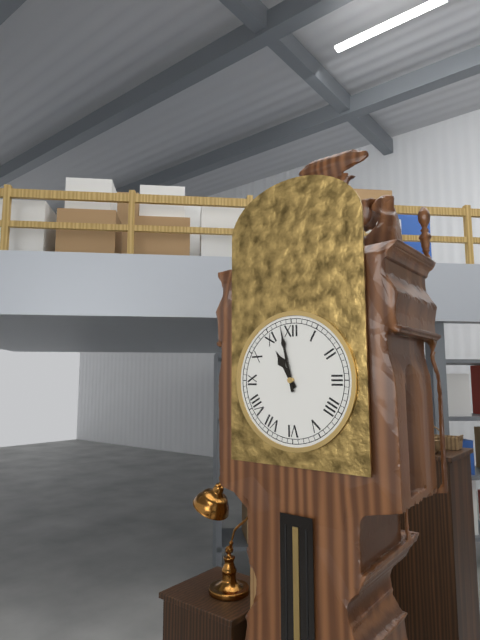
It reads **10:58**
